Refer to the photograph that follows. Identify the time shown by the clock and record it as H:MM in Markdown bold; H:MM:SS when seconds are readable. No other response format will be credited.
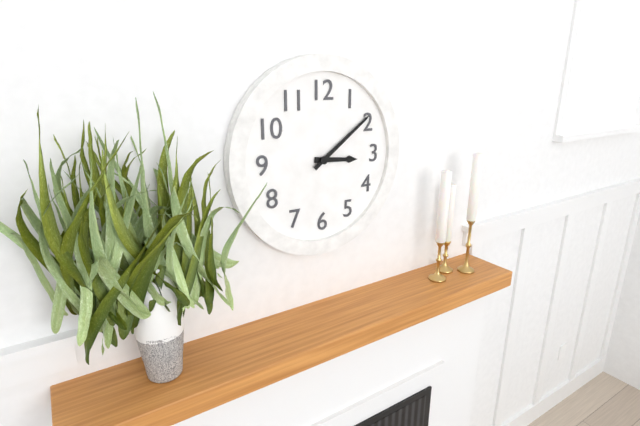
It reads **3:09**
